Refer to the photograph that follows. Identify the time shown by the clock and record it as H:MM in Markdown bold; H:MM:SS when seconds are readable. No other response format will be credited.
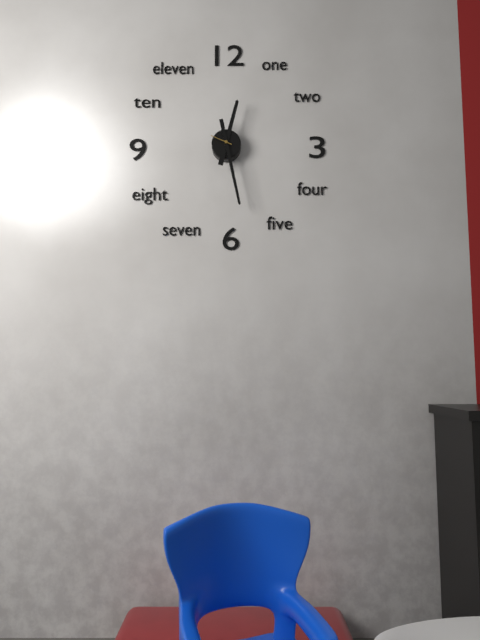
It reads **12:28**
